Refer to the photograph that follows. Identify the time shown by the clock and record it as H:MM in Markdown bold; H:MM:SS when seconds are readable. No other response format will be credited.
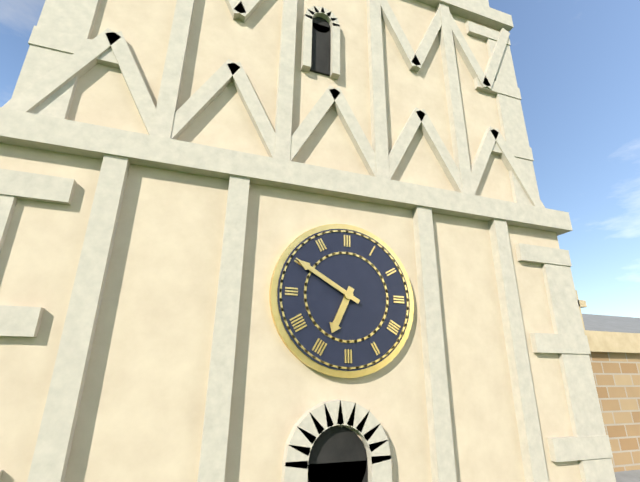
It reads **6:50**
